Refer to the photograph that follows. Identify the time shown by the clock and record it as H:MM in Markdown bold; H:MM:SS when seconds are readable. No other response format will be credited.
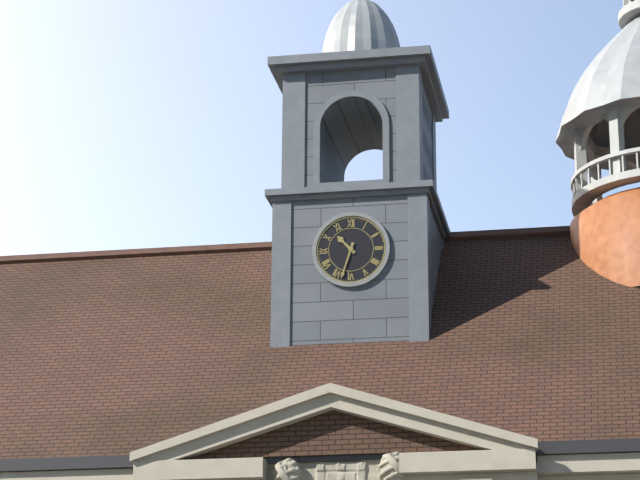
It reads **10:33**
